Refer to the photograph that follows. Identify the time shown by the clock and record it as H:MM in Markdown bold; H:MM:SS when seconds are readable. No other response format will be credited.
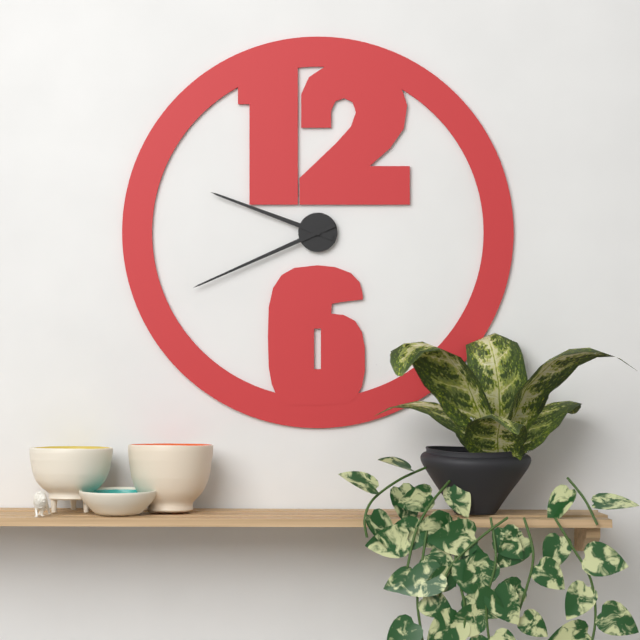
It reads **9:41**
